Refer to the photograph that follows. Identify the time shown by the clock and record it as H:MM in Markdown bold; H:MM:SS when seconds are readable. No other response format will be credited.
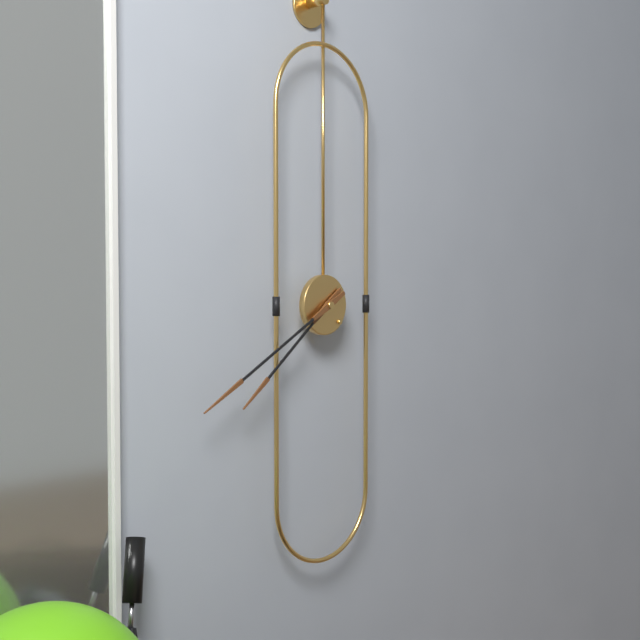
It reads **7:40**
